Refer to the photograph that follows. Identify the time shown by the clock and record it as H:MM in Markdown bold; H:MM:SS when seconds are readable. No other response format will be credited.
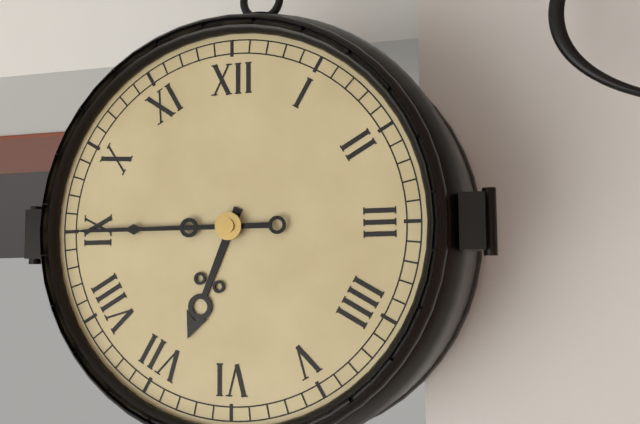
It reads **6:45**
